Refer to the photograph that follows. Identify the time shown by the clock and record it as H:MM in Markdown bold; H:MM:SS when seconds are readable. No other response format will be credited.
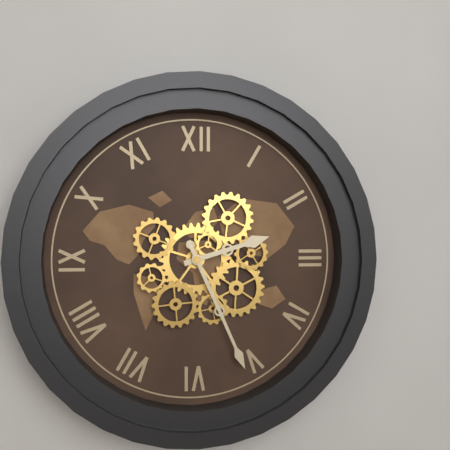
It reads **2:26**
